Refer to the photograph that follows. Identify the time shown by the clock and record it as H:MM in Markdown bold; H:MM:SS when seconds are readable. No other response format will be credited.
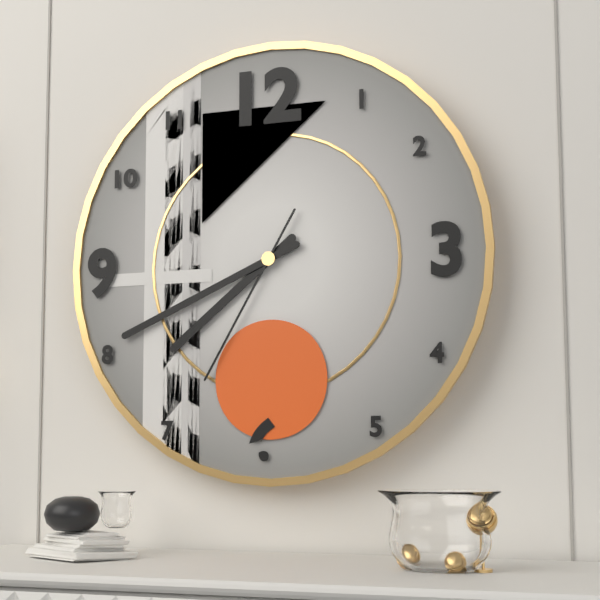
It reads **7:41:35**
